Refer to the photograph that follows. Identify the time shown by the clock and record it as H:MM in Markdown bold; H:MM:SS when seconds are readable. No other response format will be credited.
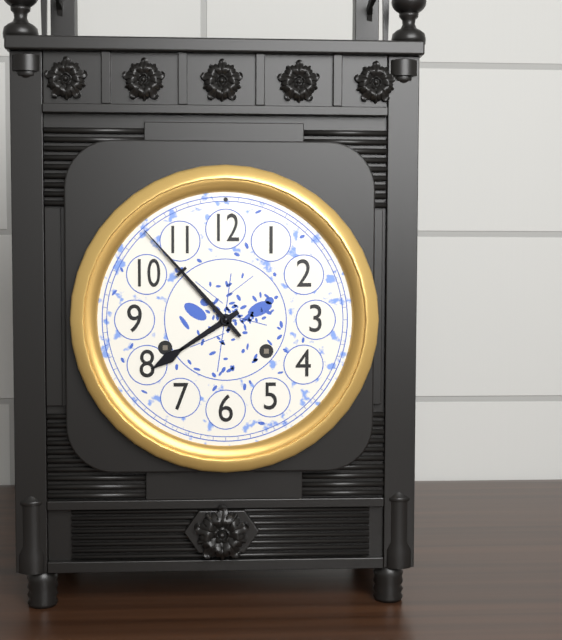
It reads **7:53**
